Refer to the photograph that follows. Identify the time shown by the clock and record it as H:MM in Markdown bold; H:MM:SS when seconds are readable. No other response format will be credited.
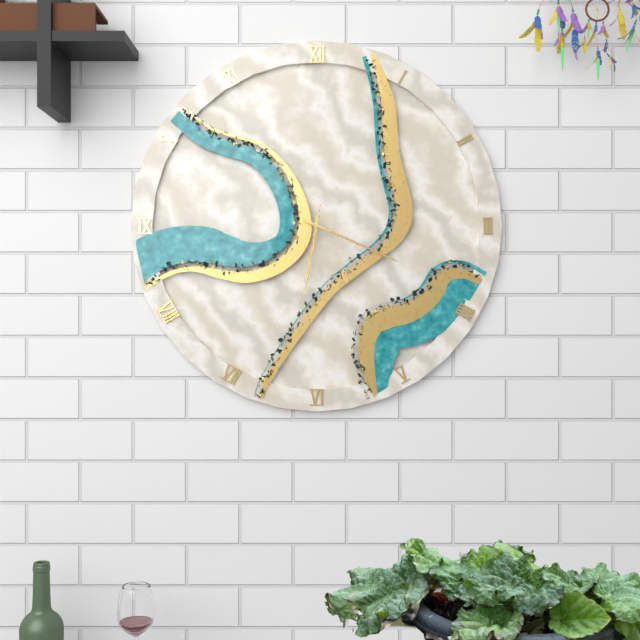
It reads **6:19:32**
